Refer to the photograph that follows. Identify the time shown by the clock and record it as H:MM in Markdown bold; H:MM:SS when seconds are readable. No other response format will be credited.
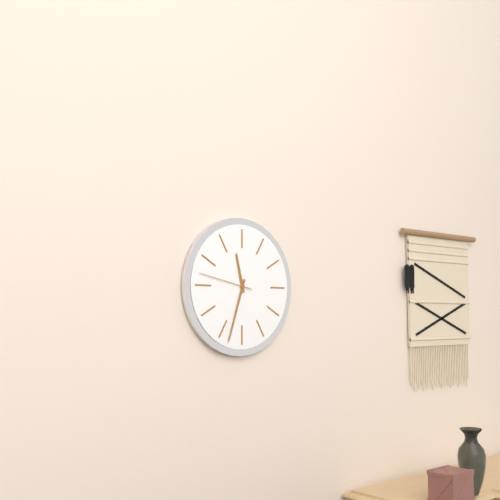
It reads **11:33:47**
